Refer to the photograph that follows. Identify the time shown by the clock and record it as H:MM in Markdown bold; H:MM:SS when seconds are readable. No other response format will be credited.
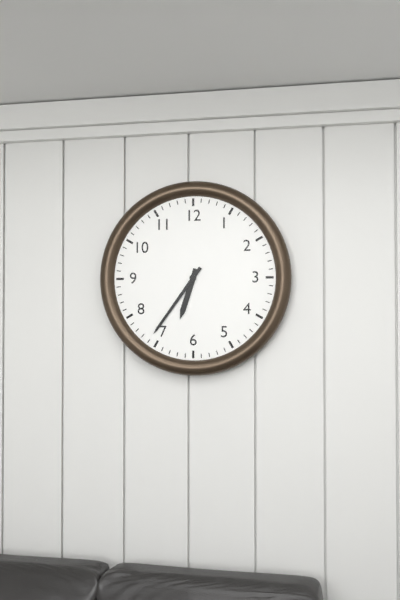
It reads **6:36**
